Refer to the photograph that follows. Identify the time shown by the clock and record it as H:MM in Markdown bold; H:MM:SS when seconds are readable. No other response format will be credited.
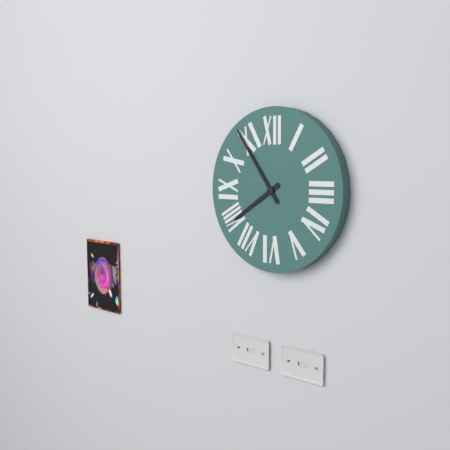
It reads **7:54**
